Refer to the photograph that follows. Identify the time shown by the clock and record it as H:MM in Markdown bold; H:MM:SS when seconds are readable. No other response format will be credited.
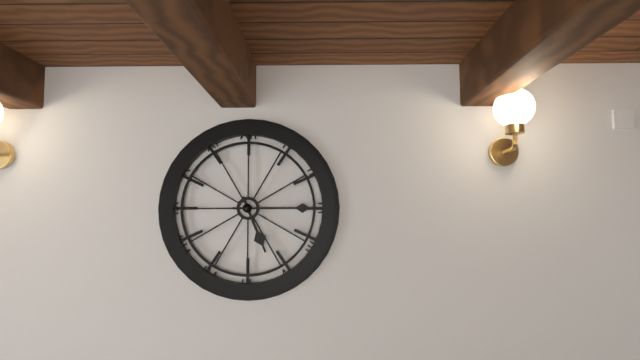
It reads **5:15**
